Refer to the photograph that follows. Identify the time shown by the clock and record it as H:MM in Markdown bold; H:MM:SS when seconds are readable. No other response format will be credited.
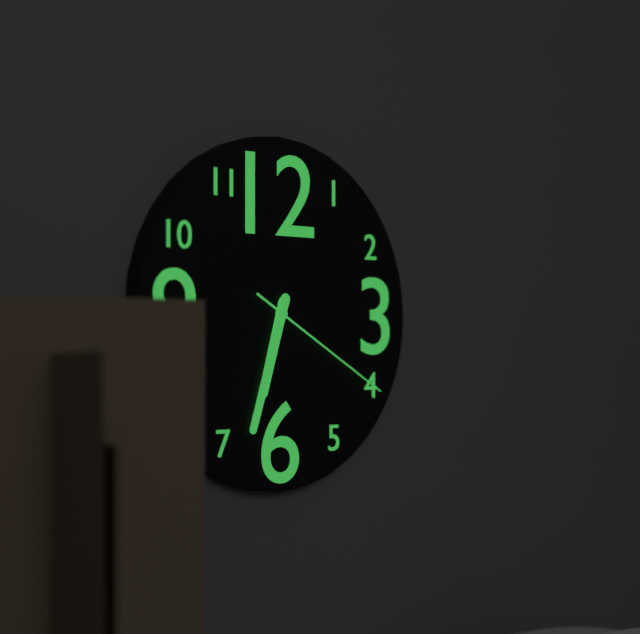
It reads **6:33:20**
